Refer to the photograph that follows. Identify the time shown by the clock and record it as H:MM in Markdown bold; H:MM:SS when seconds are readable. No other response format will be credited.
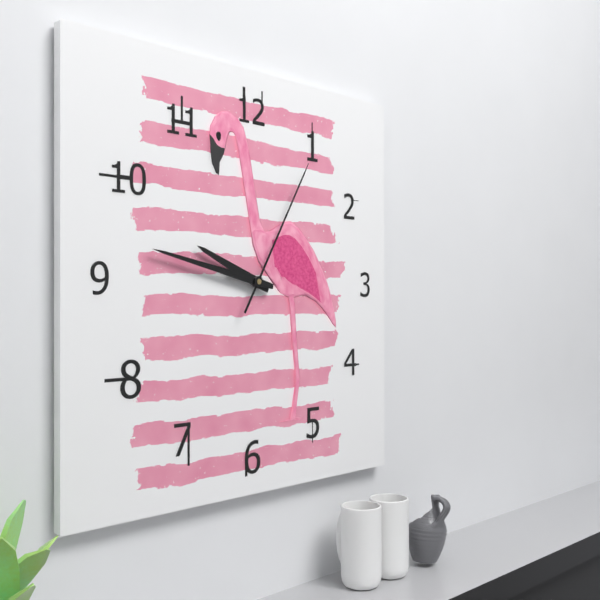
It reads **9:47:05**
